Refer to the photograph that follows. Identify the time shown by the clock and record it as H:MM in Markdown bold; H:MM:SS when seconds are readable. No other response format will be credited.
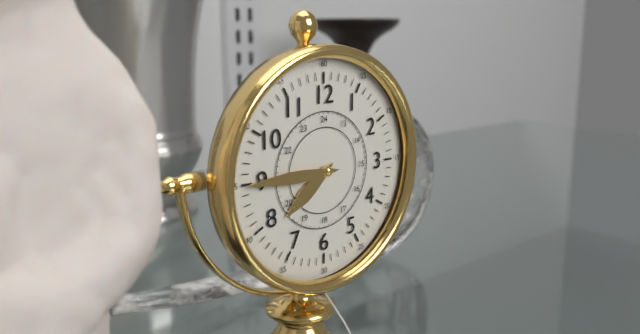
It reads **7:45**
